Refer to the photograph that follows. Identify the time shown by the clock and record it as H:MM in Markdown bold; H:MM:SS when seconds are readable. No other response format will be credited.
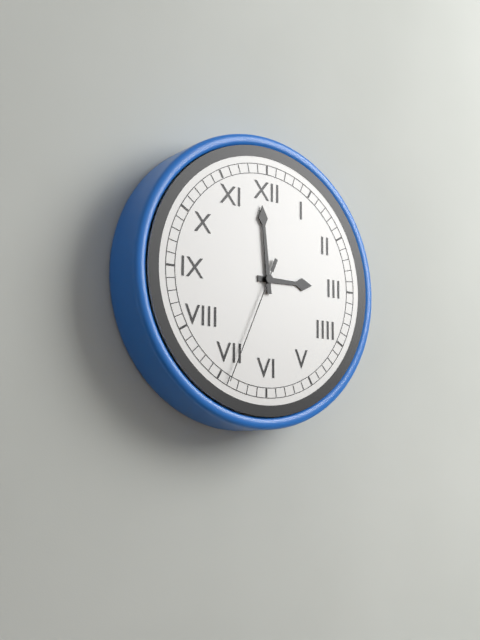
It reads **2:59:34**
